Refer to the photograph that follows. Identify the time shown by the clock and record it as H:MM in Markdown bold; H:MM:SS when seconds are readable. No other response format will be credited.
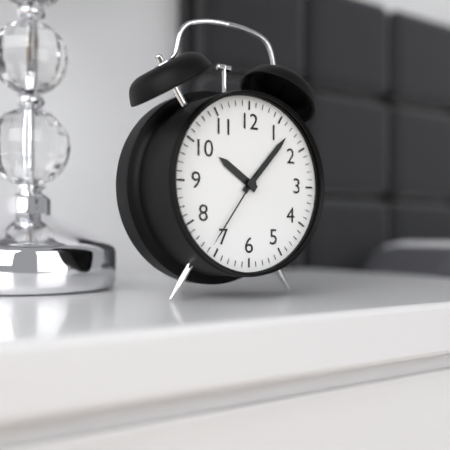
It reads **10:07:36**
